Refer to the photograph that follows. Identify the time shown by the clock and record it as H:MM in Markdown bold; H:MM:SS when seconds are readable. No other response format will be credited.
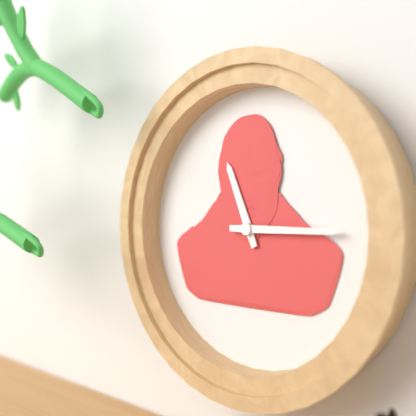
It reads **11:15**
